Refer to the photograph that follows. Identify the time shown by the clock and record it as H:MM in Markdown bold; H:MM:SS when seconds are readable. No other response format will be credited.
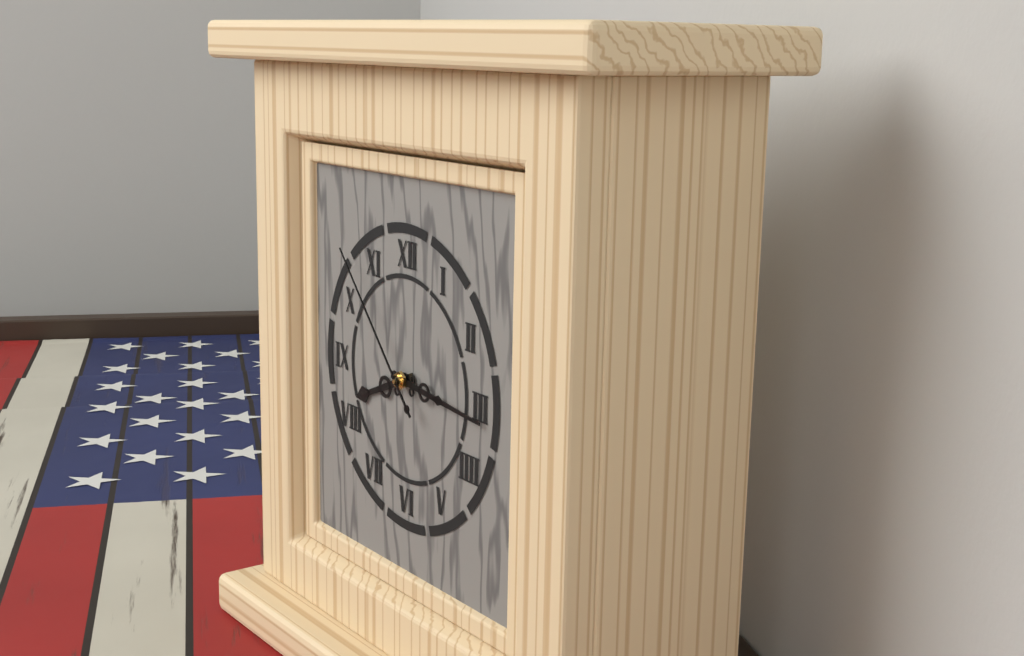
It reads **8:16:53**
